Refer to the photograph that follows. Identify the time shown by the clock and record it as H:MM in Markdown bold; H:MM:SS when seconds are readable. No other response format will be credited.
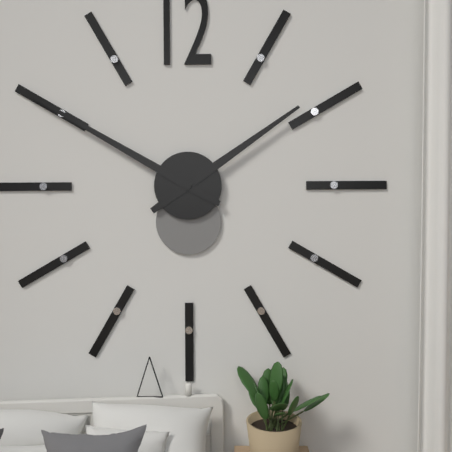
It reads **1:50**
